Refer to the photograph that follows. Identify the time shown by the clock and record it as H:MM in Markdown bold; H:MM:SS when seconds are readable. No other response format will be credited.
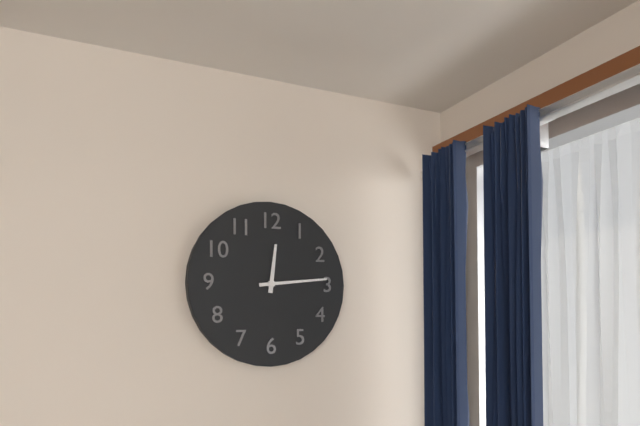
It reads **12:14**
